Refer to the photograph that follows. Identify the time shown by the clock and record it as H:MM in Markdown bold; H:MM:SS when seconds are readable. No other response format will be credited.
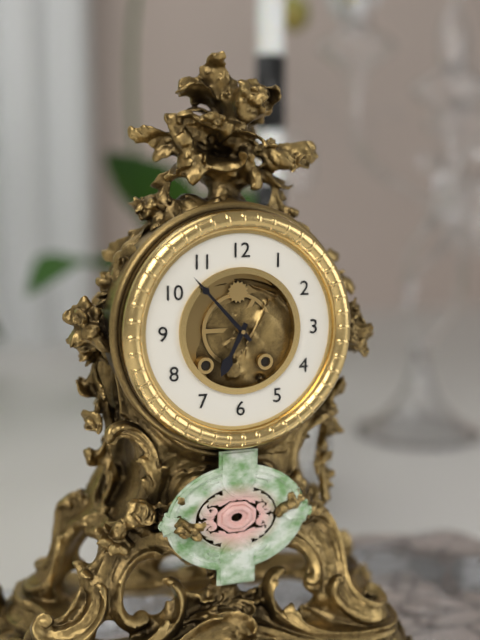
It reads **6:53**
